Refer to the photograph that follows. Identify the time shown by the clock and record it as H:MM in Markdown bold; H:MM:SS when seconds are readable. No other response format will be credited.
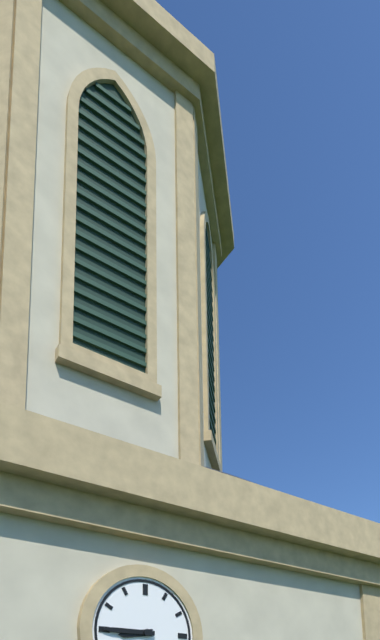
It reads **8:45**
